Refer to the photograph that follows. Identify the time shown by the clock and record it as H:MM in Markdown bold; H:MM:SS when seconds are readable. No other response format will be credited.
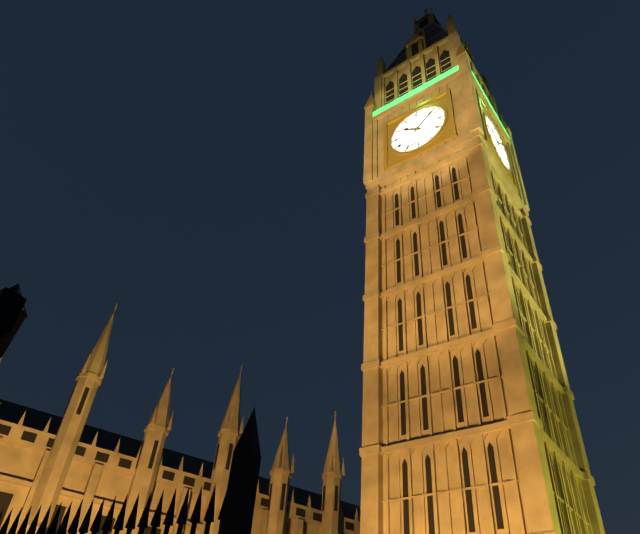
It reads **10:08**
